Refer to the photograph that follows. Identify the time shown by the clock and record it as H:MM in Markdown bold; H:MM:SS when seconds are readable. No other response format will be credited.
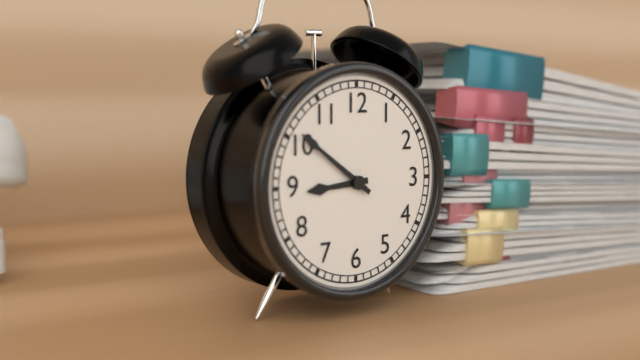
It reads **8:51**
